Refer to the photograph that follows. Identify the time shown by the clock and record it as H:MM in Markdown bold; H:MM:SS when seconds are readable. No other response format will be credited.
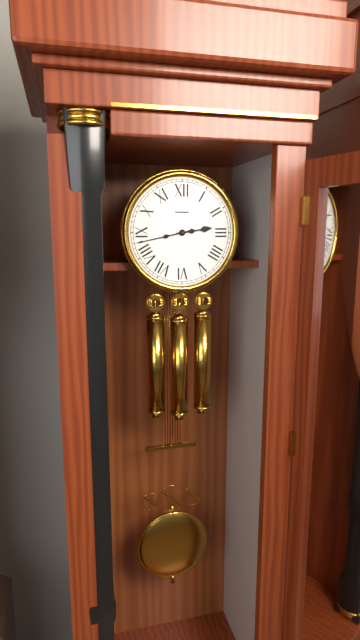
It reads **2:43**
